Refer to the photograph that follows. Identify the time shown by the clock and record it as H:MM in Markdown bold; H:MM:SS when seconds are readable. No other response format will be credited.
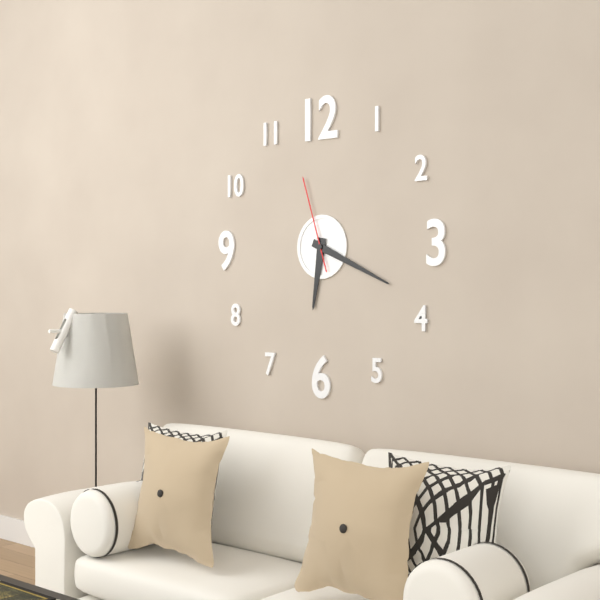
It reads **6:19:57**
